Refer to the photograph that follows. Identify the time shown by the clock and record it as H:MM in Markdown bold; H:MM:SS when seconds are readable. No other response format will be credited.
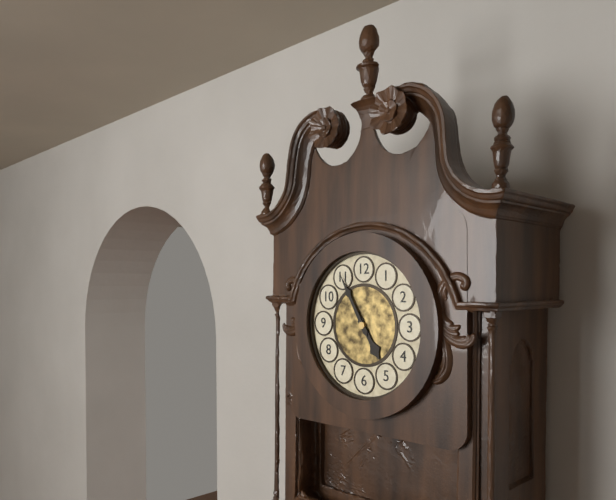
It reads **4:55**
